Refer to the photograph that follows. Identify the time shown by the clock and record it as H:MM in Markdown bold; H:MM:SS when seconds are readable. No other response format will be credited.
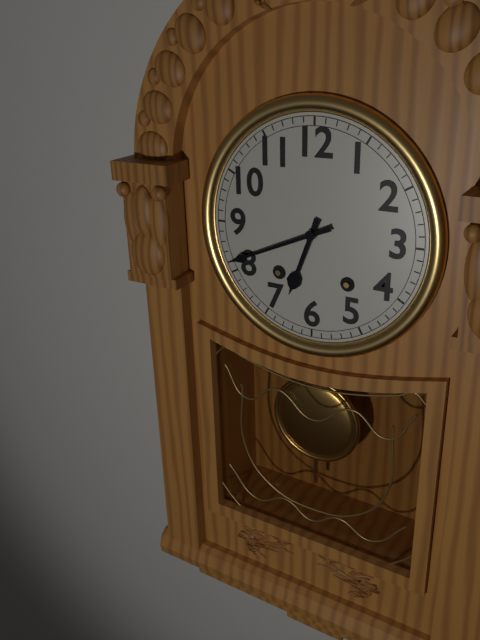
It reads **6:41**
